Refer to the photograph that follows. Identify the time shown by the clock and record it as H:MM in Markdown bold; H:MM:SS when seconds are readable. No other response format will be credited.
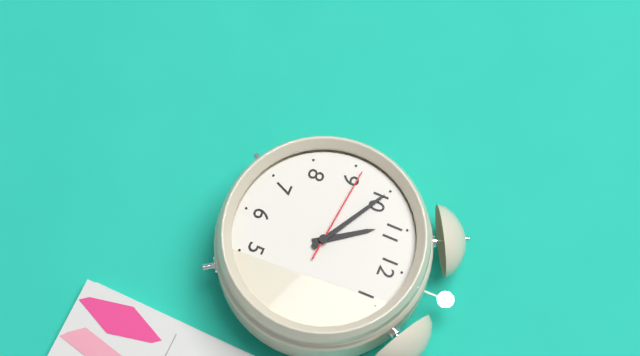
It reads **10:50:46**
